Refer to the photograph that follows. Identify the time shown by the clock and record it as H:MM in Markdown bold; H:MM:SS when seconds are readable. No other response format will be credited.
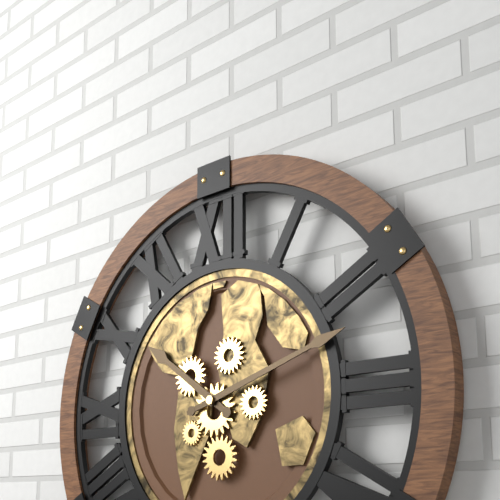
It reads **10:12**
